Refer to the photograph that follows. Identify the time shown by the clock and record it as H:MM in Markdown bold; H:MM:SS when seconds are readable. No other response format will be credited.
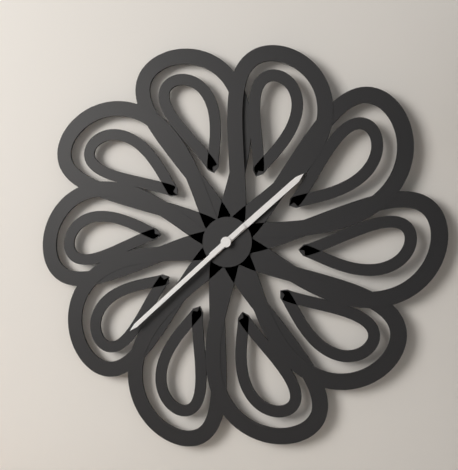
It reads **1:38**
